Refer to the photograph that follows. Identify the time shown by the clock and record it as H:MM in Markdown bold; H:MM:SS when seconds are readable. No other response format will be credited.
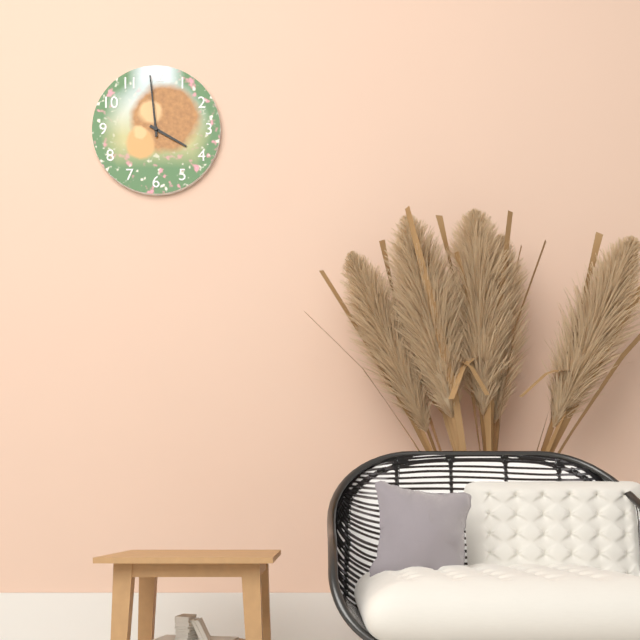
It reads **3:59**
